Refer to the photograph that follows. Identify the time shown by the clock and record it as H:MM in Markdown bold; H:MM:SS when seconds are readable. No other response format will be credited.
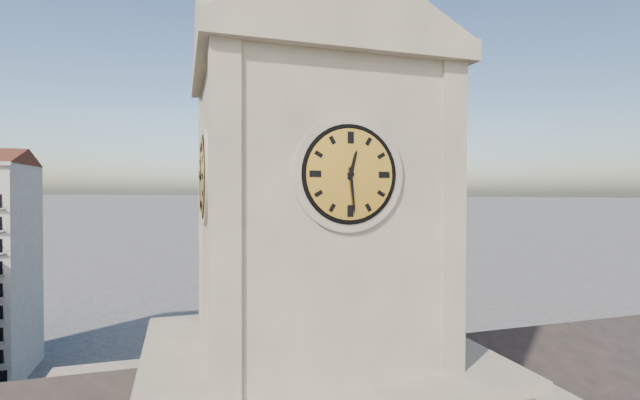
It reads **12:29**
